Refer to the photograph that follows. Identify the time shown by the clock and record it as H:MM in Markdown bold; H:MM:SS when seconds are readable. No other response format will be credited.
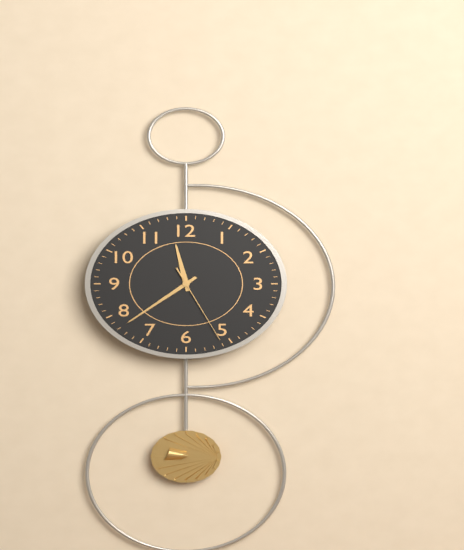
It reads **11:38:26**
